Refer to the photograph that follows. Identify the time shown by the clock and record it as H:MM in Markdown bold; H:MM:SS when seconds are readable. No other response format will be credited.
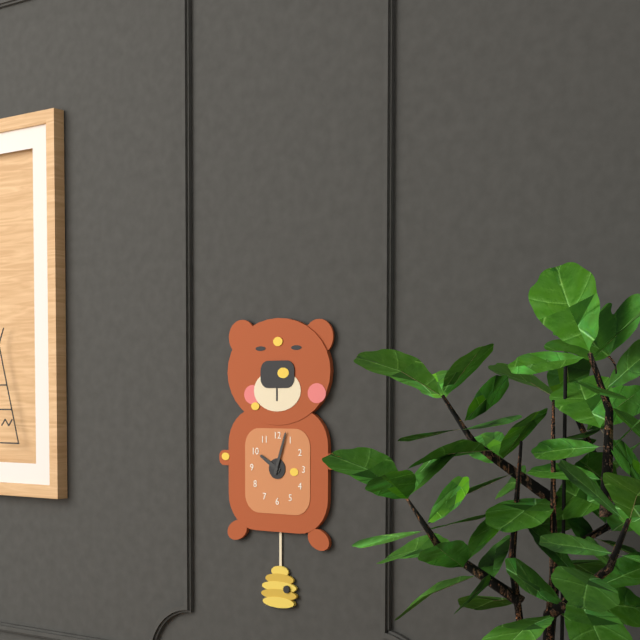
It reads **10:03**
